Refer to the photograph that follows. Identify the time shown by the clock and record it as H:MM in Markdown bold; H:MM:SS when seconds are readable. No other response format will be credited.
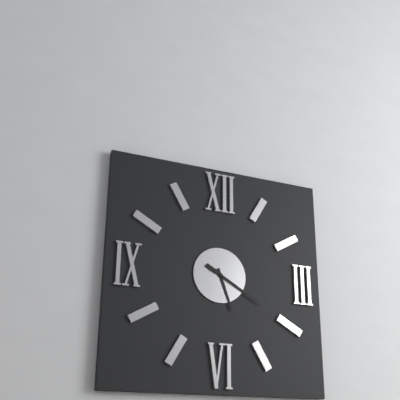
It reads **5:20**
